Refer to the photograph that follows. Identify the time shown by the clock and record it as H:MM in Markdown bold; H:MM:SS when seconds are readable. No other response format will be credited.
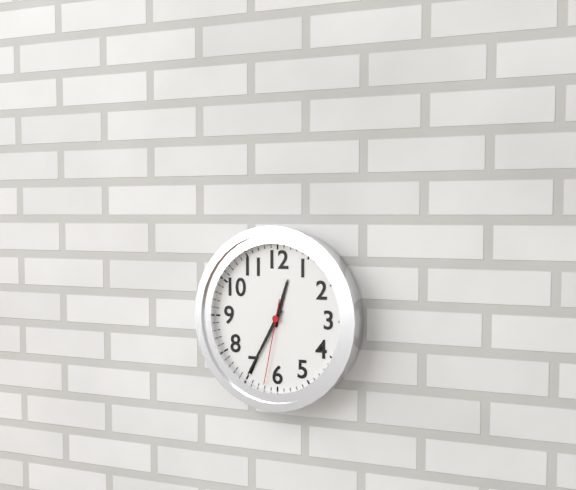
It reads **12:35:32**
